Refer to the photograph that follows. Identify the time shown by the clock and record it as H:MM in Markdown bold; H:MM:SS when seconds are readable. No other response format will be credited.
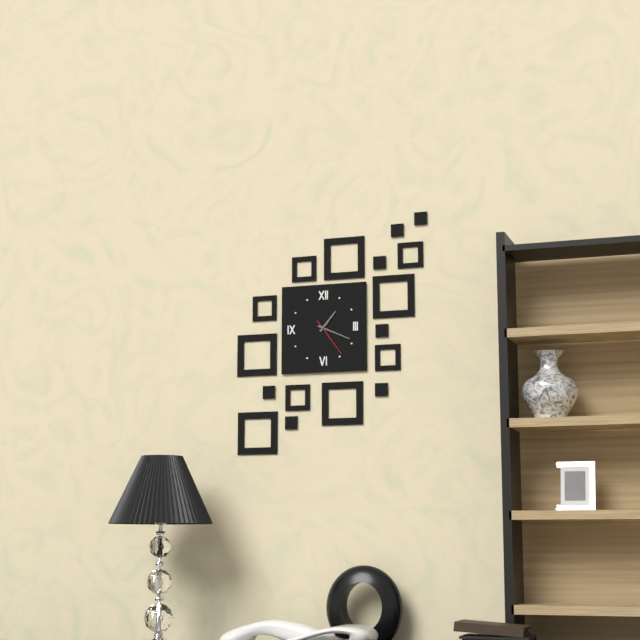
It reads **1:19**
